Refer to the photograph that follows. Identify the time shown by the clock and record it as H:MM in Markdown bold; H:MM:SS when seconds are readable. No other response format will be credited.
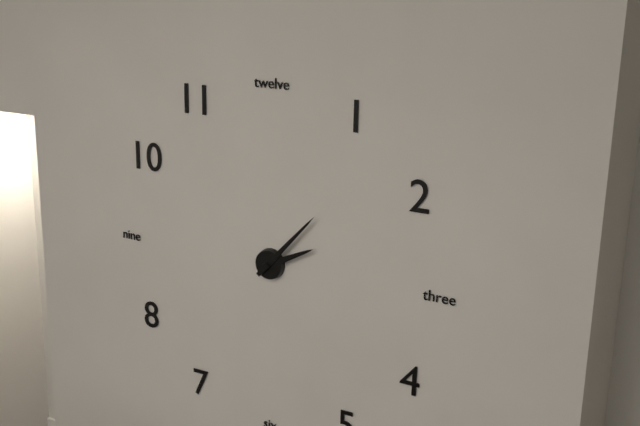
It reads **2:07**
